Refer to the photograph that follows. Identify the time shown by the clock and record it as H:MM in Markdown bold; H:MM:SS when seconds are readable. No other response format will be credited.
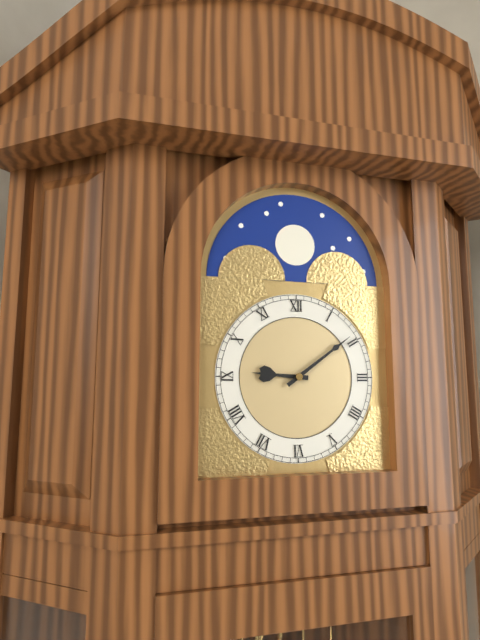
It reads **9:09**
